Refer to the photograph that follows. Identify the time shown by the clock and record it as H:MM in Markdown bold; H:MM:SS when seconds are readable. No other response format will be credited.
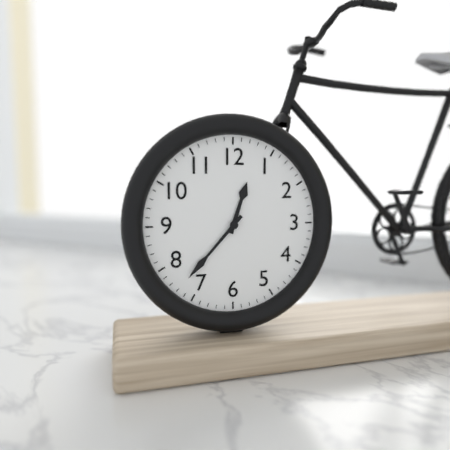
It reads **12:37**
